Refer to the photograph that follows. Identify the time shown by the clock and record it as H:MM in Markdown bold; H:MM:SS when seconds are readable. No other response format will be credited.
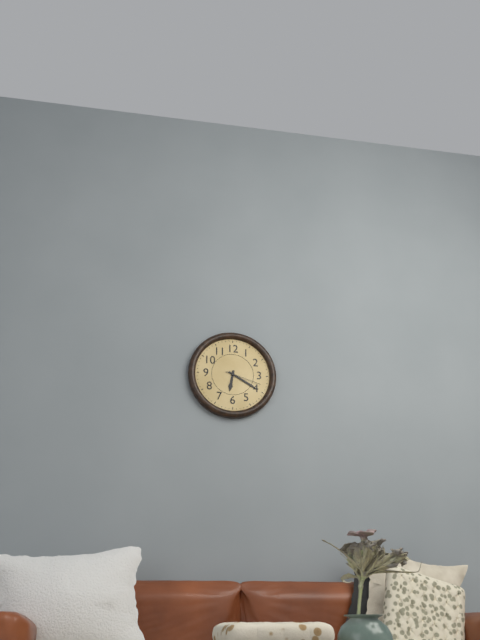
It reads **6:20**
